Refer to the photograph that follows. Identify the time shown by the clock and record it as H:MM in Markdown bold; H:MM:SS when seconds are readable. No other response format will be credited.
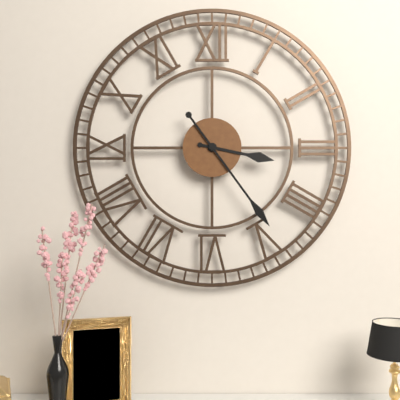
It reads **3:24**
